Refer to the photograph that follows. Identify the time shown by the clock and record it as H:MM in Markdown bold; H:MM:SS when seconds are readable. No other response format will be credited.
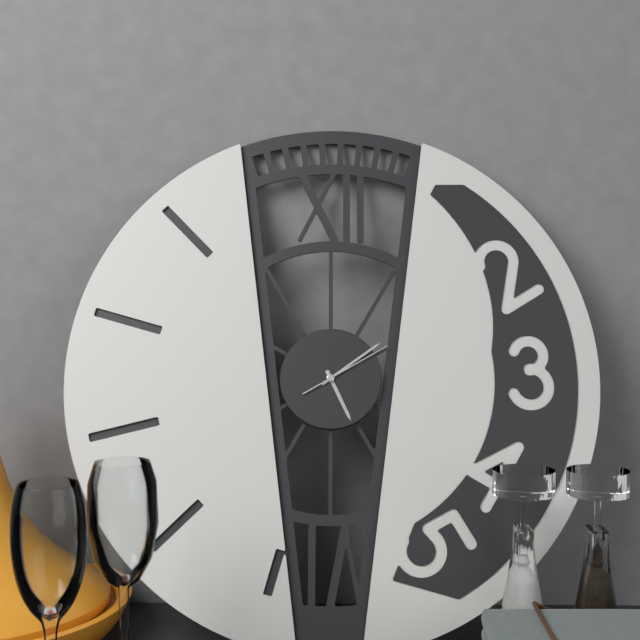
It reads **5:09:10**
